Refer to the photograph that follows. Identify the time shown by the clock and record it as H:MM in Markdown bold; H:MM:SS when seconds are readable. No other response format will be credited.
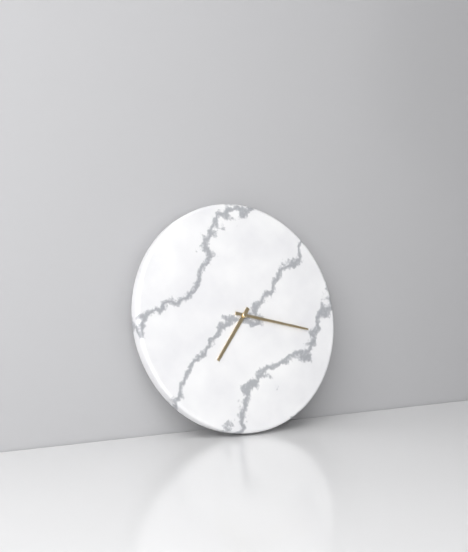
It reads **7:17**
